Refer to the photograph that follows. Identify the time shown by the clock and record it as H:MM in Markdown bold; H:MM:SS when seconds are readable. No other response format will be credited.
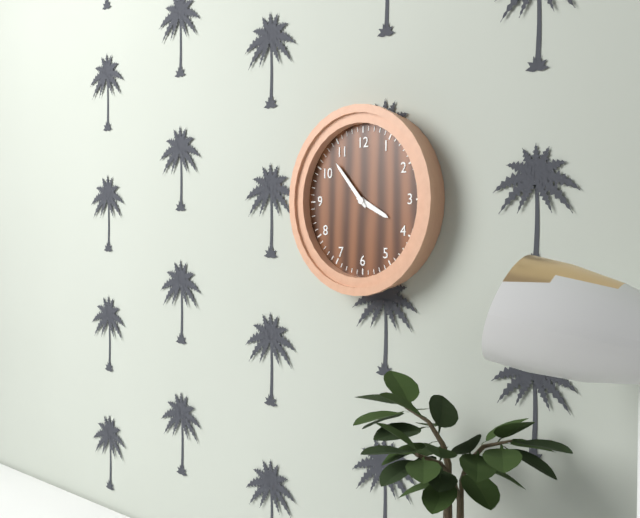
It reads **3:53**
